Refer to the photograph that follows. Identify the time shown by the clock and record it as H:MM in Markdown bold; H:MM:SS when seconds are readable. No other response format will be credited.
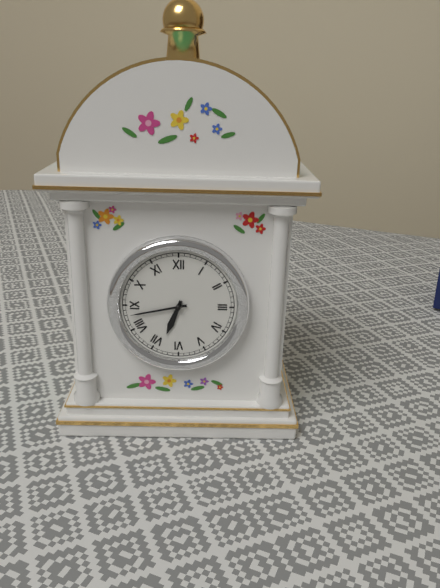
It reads **6:43**
